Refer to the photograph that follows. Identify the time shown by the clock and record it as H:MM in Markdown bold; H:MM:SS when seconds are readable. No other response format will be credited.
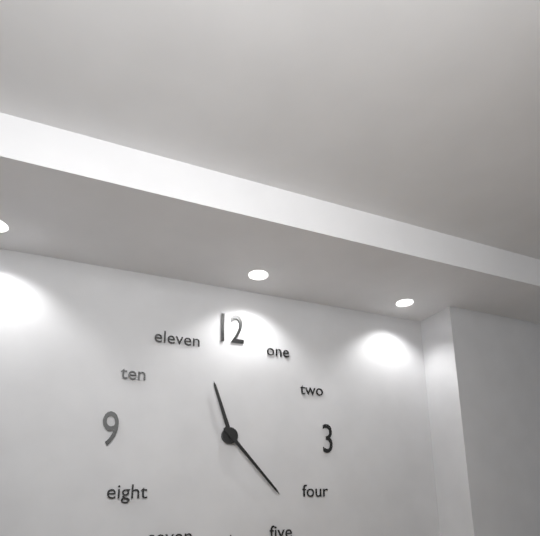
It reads **11:23**
